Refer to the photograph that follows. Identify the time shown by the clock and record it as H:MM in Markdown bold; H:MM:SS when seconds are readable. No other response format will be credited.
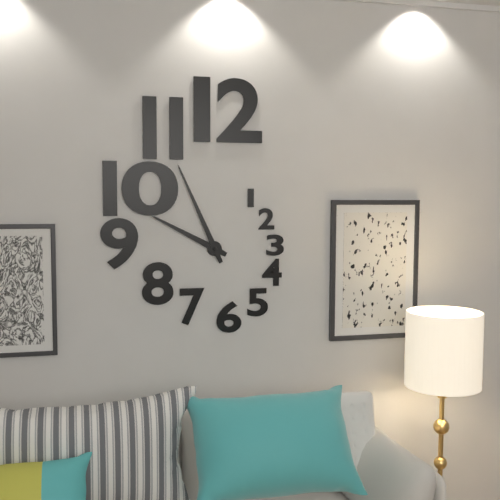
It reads **9:56**
